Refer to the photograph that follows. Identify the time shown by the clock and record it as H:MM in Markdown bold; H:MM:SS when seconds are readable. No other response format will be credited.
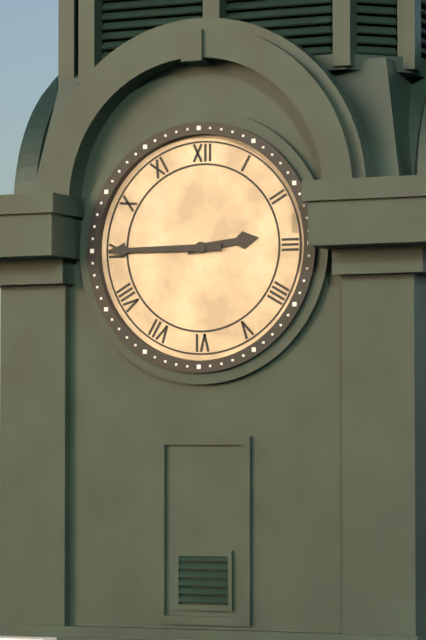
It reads **2:45**
